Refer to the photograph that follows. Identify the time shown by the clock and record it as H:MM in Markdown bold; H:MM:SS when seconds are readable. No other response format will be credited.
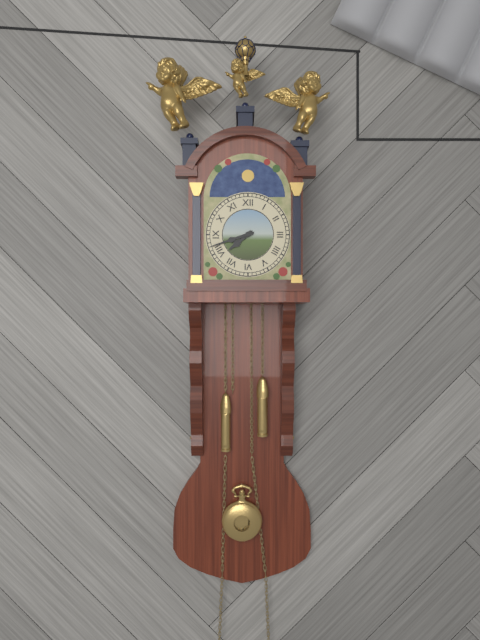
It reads **7:42**
